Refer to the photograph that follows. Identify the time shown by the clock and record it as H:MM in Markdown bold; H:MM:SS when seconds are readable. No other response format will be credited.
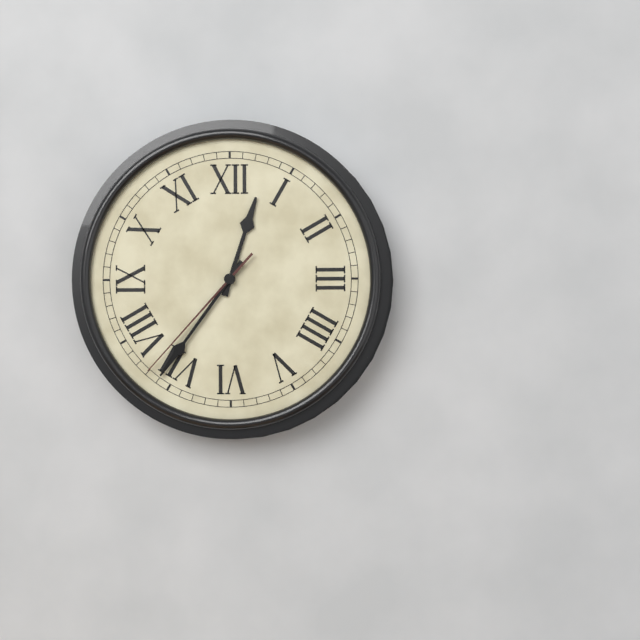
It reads **12:36:37**
